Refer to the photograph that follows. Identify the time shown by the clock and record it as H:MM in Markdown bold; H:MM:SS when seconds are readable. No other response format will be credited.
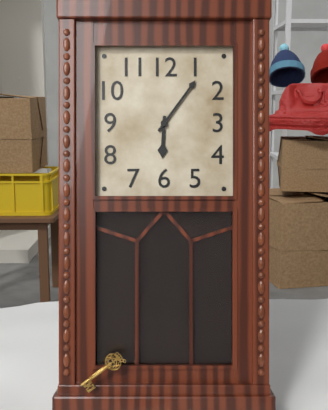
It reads **6:06**
